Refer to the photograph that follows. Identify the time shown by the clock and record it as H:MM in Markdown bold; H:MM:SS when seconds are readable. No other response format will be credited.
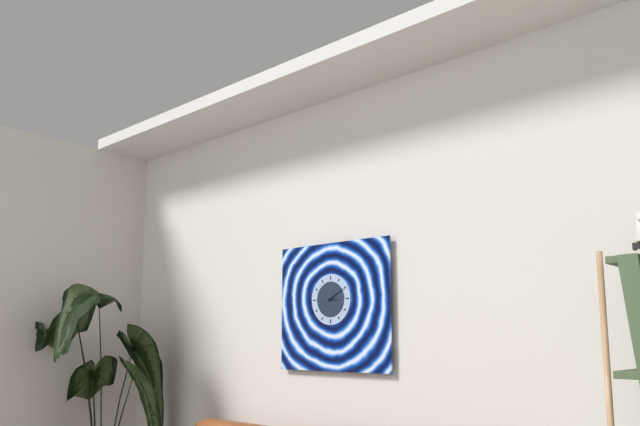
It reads **3:10**
